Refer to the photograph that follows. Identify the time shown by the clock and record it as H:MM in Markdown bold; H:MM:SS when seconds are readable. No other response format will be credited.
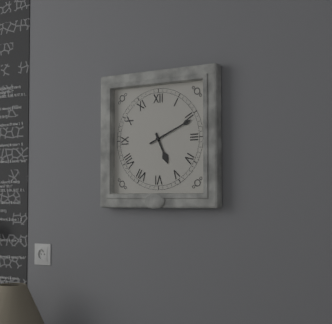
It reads **5:11**
